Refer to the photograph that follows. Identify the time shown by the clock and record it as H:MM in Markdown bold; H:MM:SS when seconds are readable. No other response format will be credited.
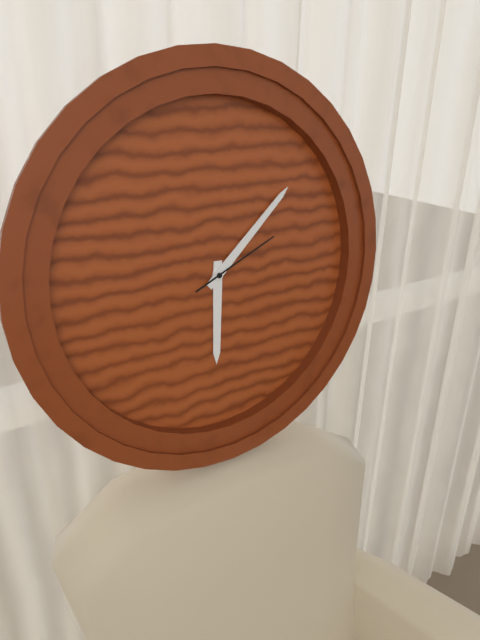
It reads **6:08:11**
